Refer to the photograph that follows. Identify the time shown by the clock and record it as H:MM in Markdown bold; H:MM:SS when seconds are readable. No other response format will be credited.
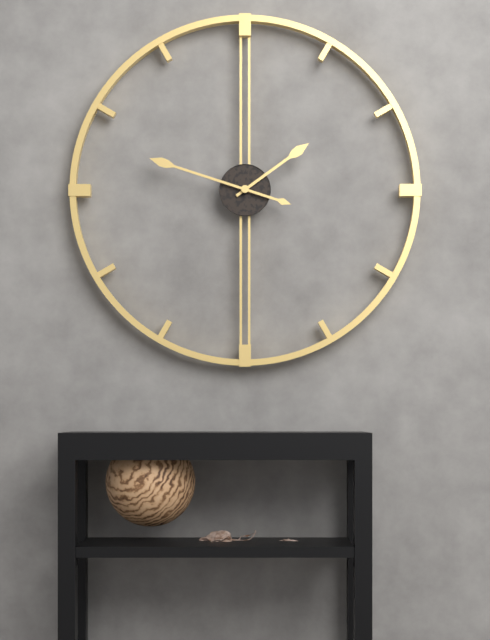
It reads **1:48**
